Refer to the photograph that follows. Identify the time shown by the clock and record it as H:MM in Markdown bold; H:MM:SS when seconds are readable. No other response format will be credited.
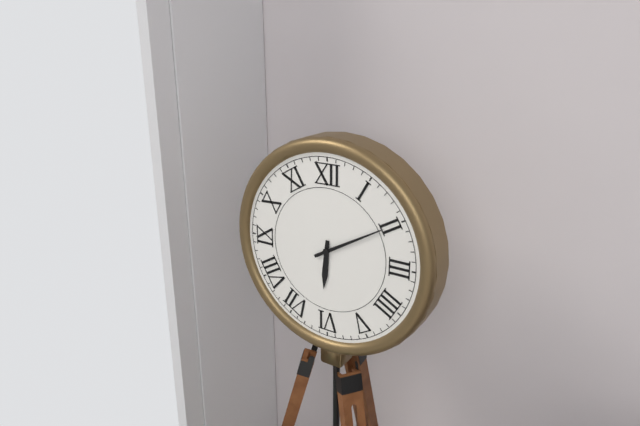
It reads **6:10**
